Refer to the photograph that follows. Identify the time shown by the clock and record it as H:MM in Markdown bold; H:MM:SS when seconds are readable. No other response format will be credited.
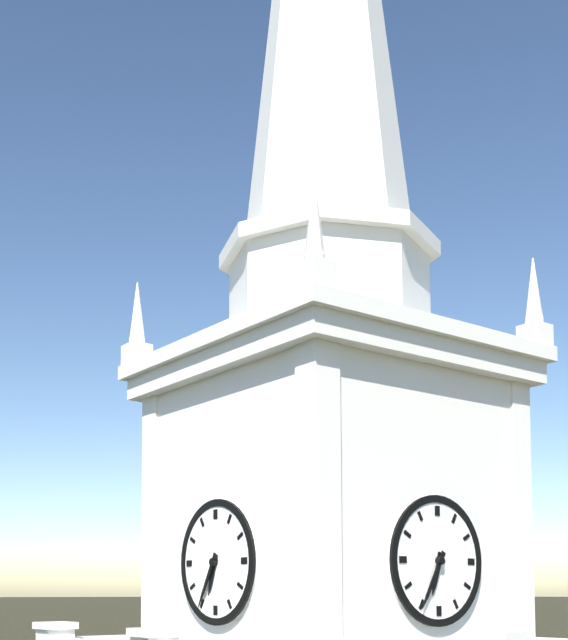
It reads **6:35**
